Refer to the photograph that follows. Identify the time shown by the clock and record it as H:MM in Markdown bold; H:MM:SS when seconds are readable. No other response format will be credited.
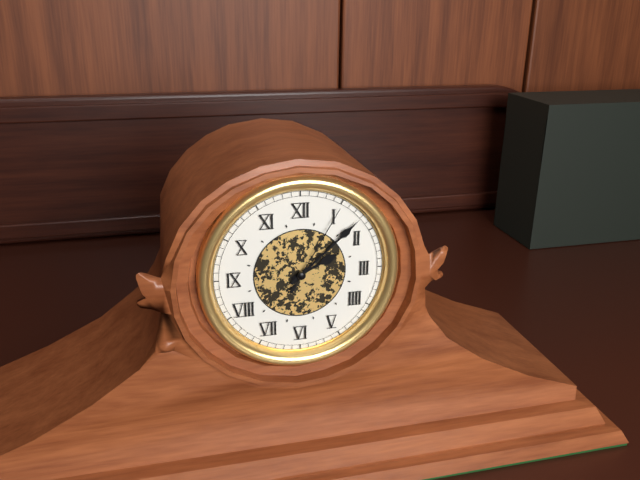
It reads **2:08:05**
